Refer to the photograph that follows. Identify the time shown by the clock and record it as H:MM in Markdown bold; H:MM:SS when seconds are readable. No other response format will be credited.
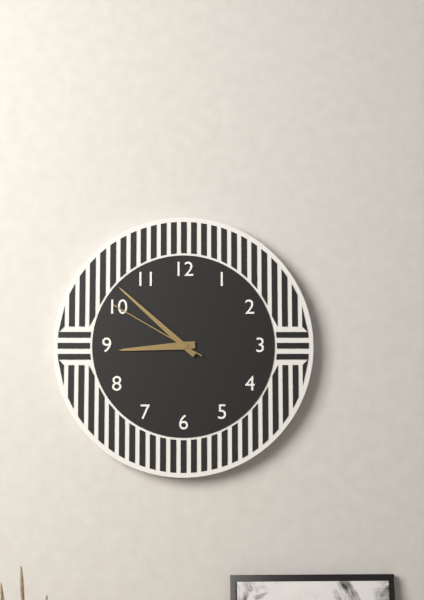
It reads **8:52:50**
